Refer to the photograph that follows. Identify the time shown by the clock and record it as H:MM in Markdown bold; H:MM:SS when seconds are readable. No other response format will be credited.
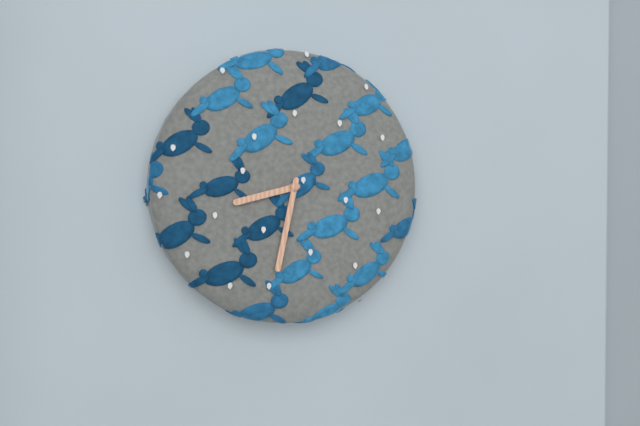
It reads **8:32**
